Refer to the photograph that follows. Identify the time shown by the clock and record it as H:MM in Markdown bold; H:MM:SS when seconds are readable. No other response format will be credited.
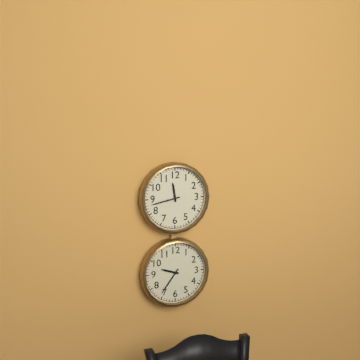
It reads **11:43**
